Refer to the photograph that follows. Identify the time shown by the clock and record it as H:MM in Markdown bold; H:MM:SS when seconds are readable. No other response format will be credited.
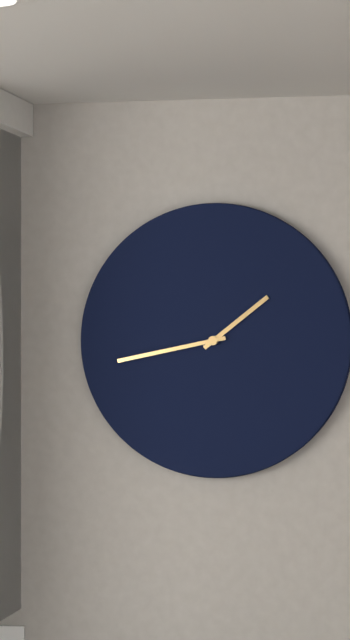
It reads **1:43**
